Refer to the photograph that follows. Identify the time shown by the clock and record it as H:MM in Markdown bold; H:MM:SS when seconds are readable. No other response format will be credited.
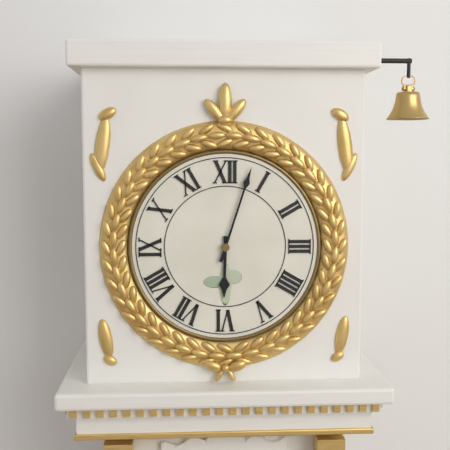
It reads **6:03**
